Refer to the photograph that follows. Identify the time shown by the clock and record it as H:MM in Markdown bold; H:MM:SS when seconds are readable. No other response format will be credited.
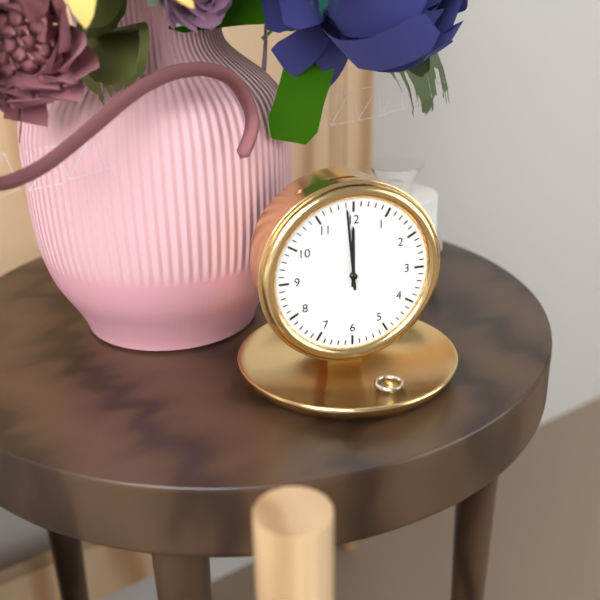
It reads **11:59**
